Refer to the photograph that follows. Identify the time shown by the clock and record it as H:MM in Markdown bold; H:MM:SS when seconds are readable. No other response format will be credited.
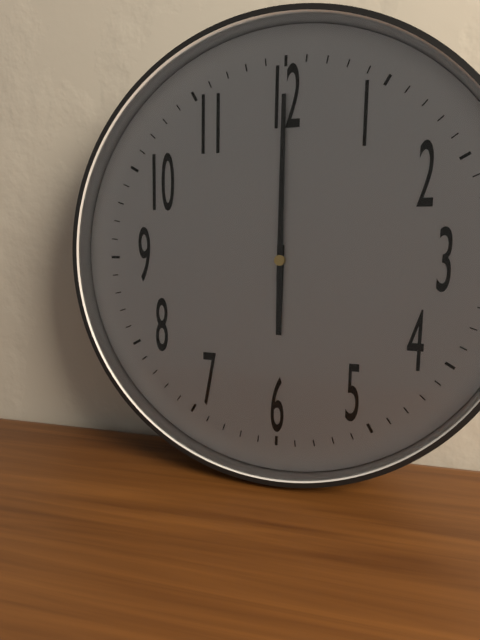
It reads **6:00**
